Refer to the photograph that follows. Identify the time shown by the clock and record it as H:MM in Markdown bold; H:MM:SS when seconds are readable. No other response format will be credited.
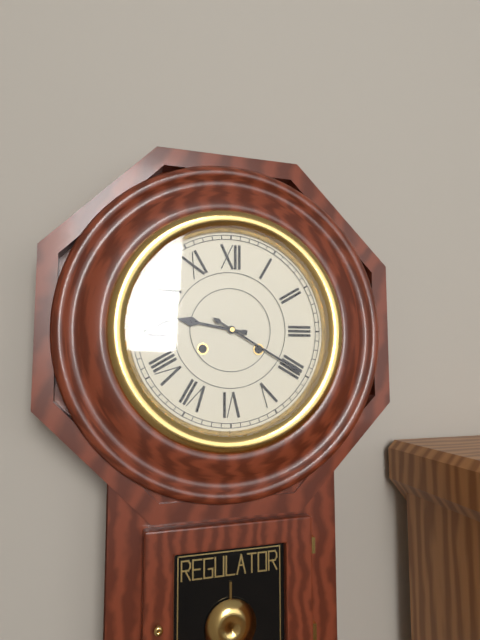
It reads **9:20**
